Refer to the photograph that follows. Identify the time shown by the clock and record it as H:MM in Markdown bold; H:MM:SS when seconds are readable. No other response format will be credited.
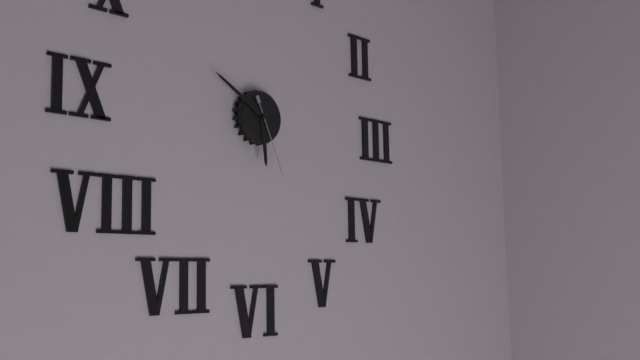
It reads **5:50:26**
